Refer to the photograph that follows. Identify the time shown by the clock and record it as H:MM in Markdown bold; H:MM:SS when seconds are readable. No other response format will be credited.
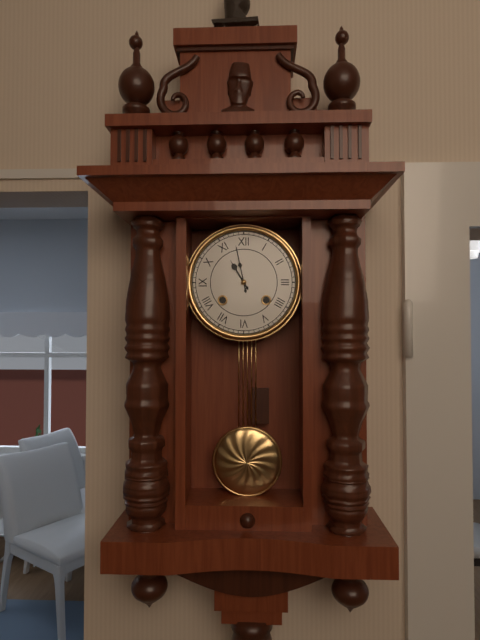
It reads **10:58**
